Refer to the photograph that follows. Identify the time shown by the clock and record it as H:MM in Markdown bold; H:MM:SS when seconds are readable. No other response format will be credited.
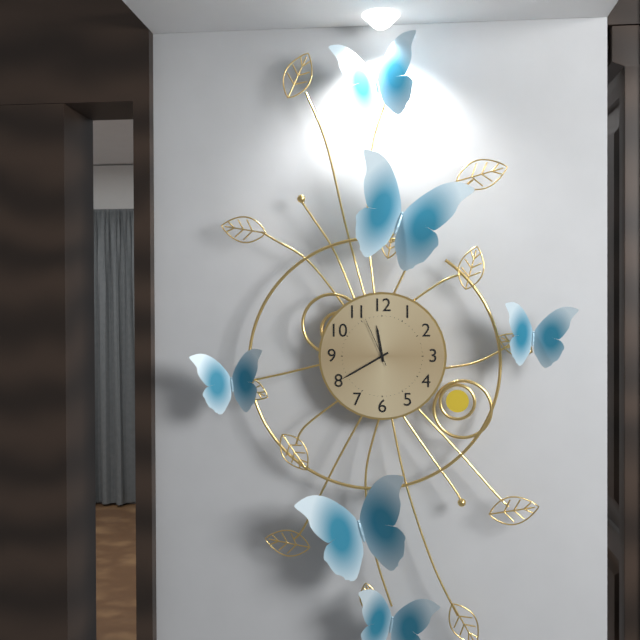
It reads **11:40:56**
